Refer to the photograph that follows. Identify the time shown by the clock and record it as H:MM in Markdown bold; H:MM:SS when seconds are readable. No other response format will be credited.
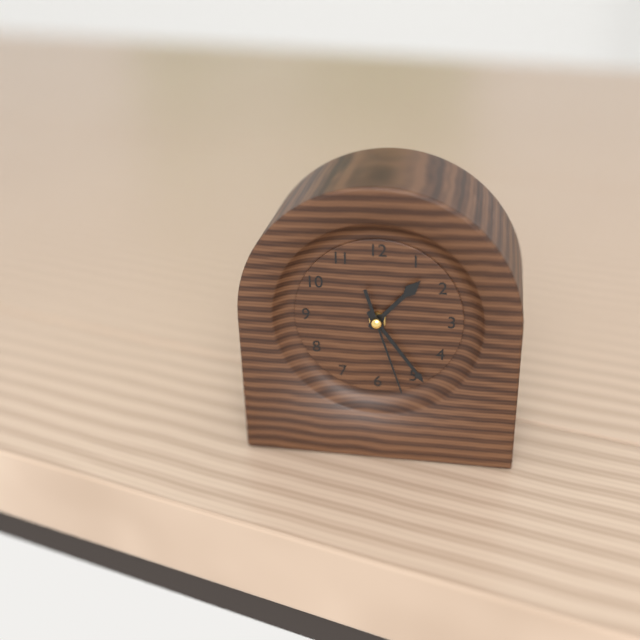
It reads **1:24:27**
